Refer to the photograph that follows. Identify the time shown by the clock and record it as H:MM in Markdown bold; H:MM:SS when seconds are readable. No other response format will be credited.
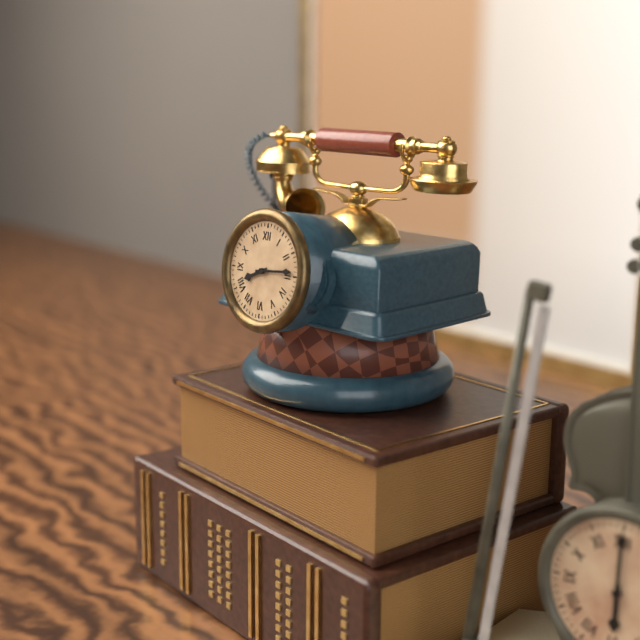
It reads **8:14**
